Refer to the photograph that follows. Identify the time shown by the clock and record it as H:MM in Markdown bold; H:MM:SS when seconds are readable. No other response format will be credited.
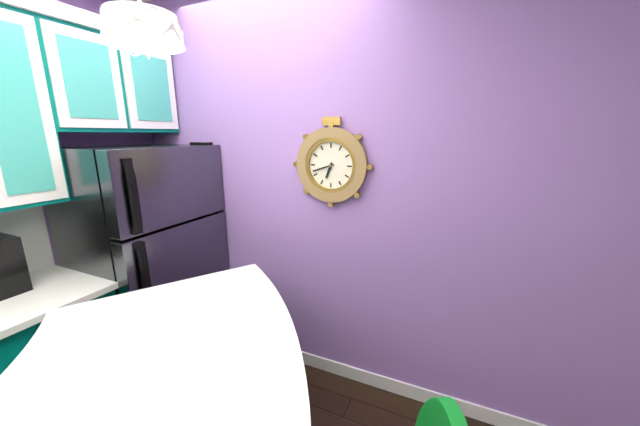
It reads **6:42**
